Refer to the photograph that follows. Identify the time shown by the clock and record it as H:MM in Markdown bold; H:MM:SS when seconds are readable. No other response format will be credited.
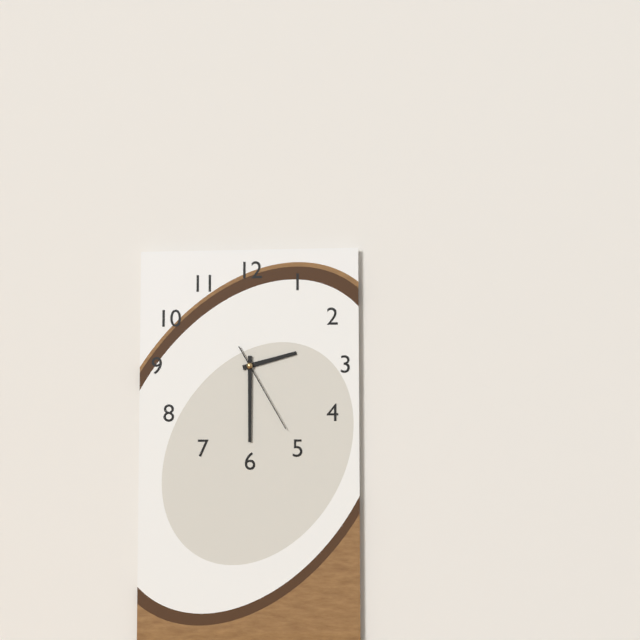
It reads **2:30:25**
